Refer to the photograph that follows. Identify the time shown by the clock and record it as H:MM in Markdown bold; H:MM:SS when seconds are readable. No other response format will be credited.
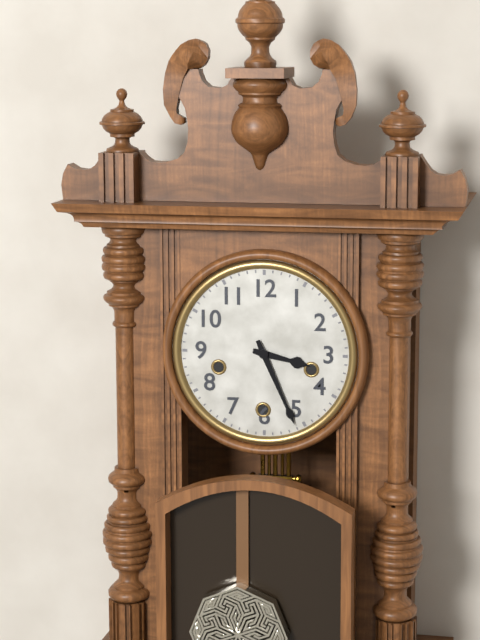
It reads **3:26**
